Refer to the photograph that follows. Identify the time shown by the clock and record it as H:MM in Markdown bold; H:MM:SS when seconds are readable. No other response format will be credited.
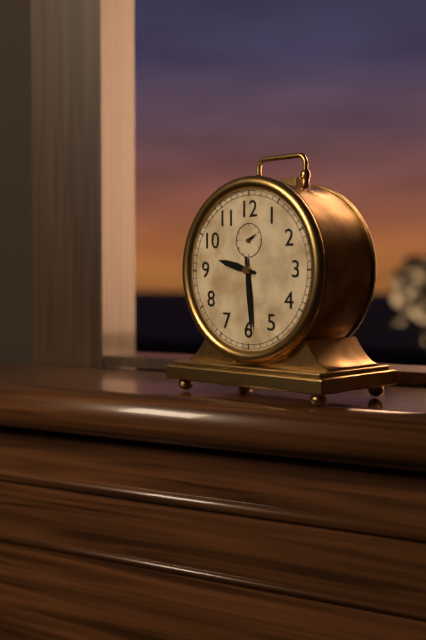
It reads **9:29**
